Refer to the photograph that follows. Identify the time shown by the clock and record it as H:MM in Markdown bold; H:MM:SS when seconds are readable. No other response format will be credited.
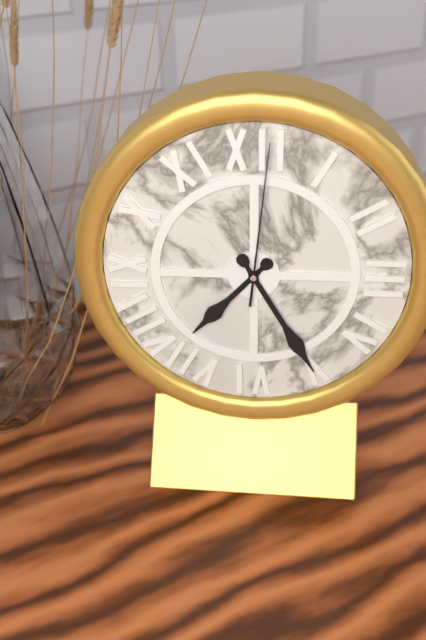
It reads **7:25:01**
